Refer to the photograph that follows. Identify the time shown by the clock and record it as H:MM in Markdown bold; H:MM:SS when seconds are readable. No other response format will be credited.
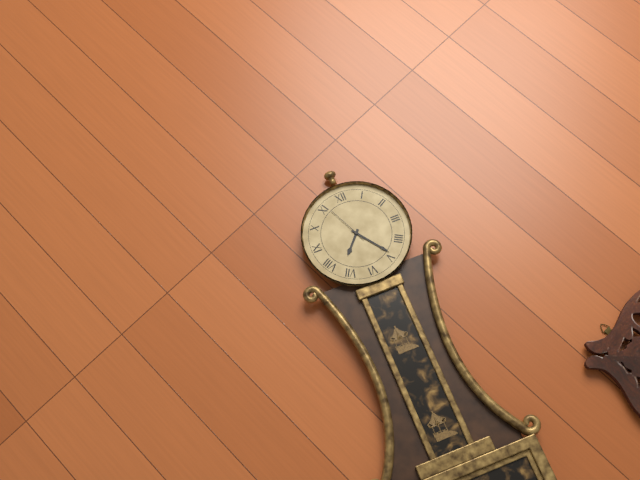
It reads **7:24**
